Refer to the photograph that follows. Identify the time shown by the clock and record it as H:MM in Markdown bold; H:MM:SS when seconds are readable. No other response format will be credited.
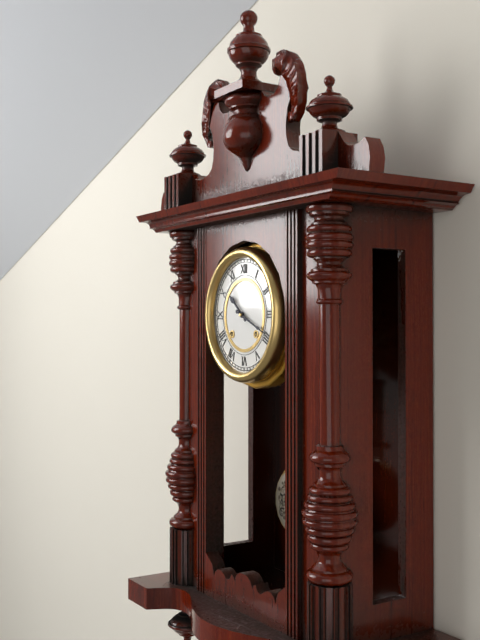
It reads **10:19**
